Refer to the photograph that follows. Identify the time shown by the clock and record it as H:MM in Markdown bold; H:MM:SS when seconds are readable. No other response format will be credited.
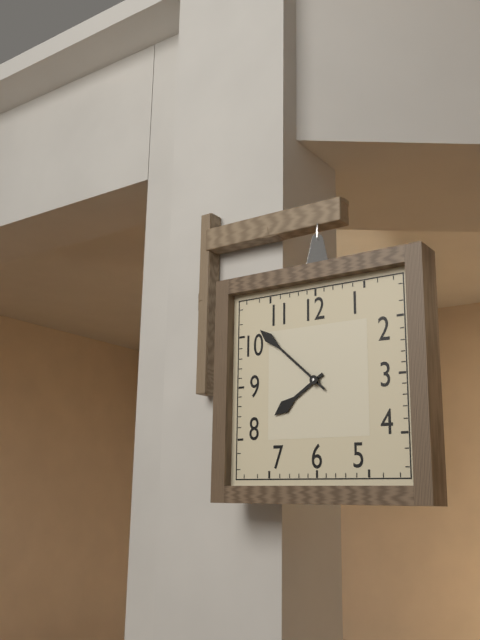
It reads **7:52**
